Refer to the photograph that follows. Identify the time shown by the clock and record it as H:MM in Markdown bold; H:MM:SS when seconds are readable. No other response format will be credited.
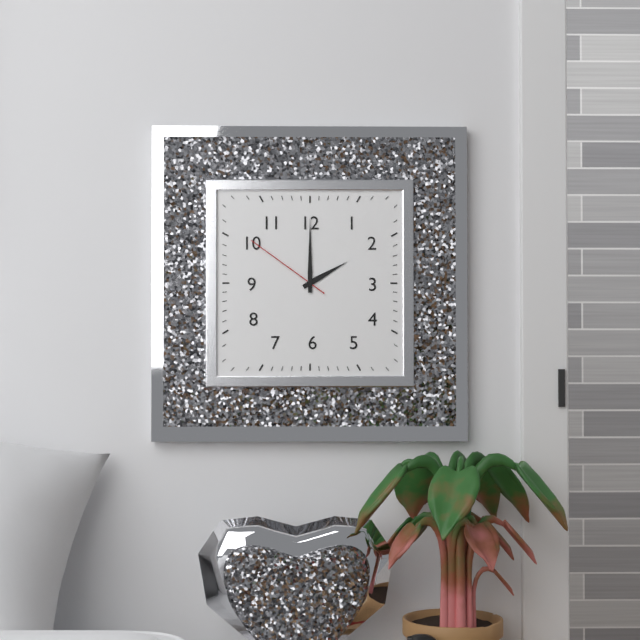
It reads **2:00:51**
